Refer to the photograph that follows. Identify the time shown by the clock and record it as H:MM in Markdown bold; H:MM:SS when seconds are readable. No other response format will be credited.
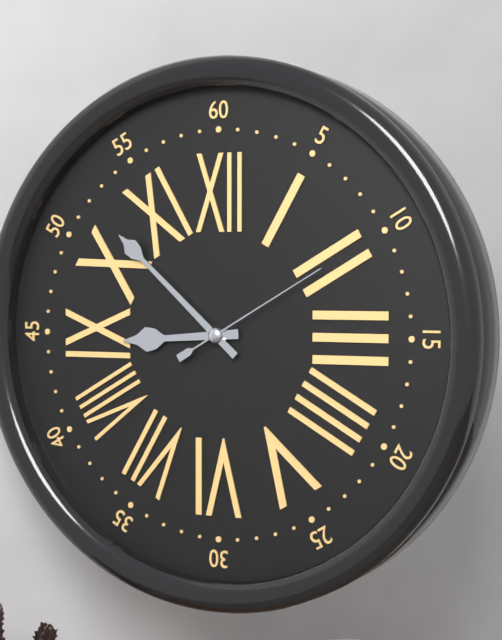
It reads **8:52:10**
